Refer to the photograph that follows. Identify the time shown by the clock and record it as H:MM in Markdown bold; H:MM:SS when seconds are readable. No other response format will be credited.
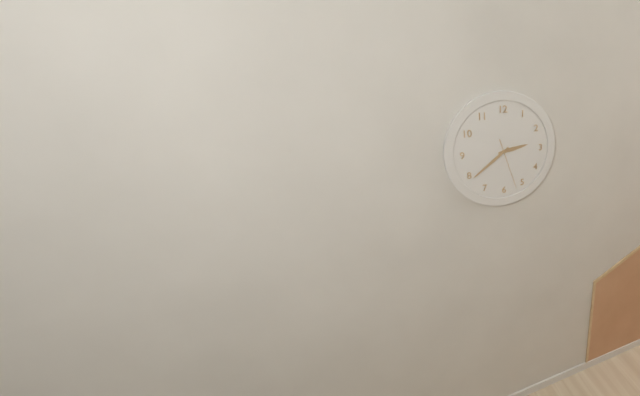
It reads **2:39:27**
